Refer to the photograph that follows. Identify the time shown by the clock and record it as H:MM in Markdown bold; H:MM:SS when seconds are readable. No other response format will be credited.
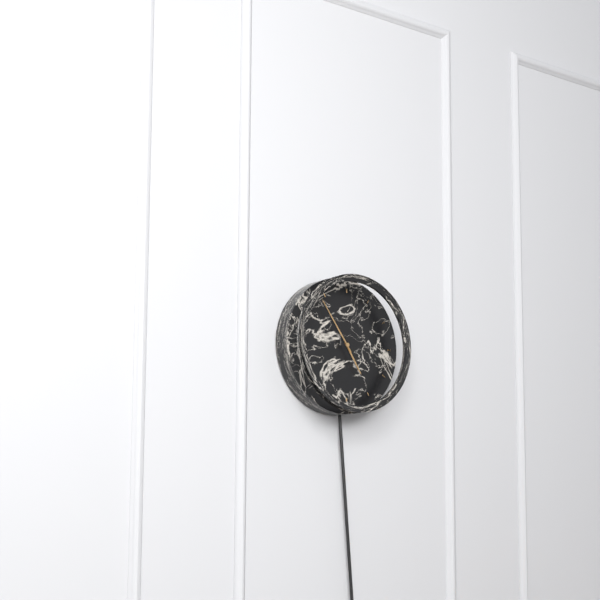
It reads **4:54**
